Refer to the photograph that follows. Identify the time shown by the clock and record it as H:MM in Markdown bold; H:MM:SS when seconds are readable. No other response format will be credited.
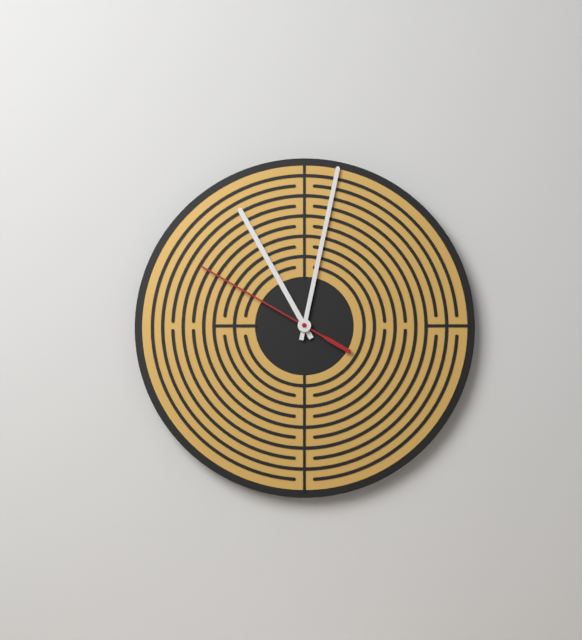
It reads **11:02:50**
